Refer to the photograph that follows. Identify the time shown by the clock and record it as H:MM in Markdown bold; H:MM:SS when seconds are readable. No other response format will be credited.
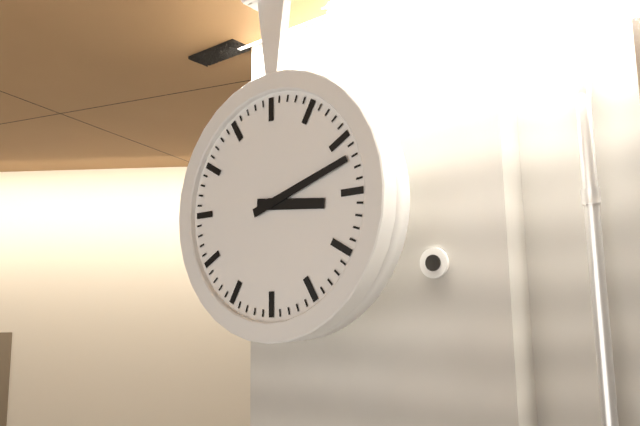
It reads **3:12**
